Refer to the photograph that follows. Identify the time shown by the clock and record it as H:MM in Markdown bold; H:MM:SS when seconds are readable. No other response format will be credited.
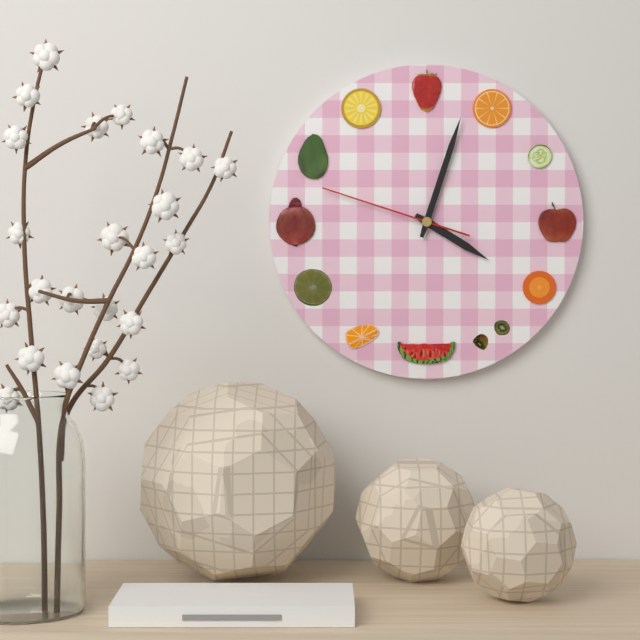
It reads **4:03:48**
